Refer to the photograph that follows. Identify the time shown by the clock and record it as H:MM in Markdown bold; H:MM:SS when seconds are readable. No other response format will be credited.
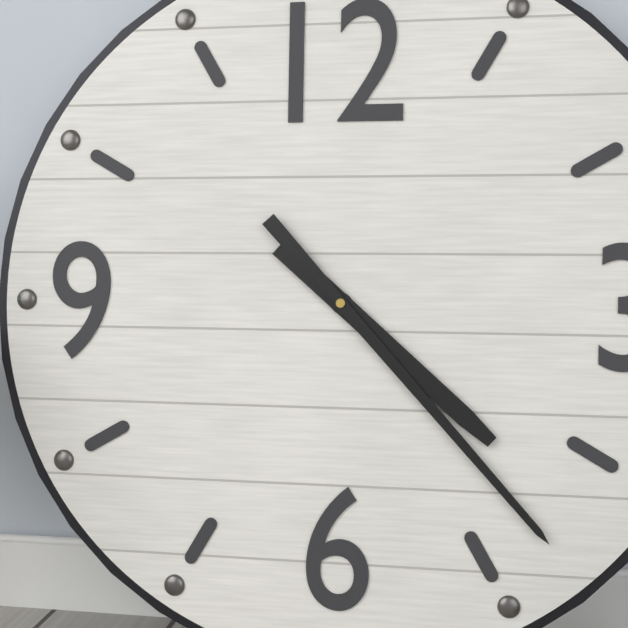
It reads **4:23**
